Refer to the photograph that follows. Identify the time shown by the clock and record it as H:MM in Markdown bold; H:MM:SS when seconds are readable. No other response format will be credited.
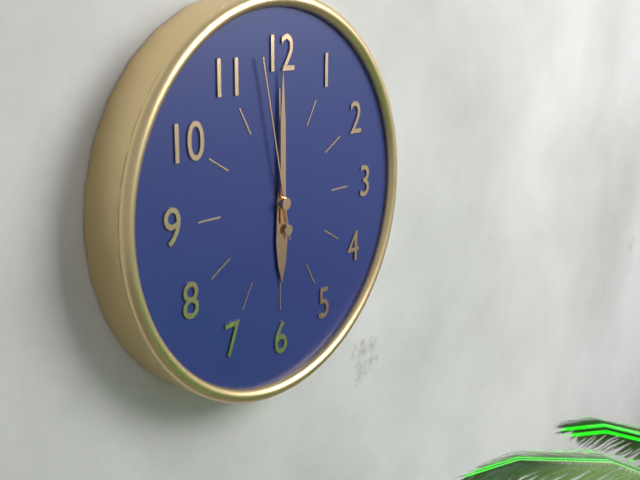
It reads **6:00:58**
